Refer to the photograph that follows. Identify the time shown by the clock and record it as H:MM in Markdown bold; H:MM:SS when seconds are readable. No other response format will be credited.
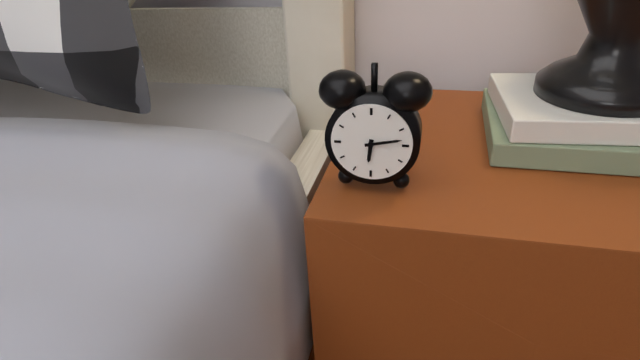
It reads **6:13**
